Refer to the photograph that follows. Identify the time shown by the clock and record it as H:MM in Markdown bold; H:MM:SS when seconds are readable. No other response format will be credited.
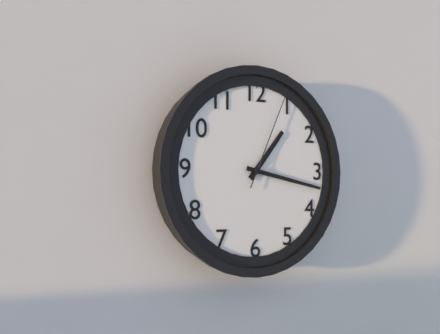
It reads **1:17:04**
